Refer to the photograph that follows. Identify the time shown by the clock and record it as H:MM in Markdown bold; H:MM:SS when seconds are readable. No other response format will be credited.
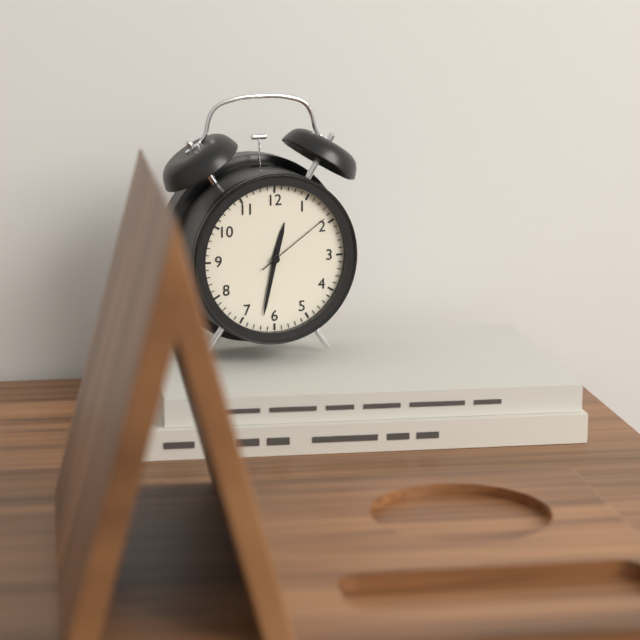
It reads **12:32:09**
